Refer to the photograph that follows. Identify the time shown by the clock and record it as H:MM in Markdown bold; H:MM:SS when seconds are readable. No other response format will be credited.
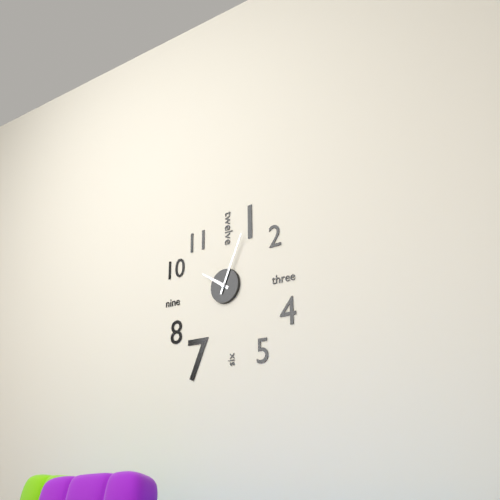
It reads **10:04**
